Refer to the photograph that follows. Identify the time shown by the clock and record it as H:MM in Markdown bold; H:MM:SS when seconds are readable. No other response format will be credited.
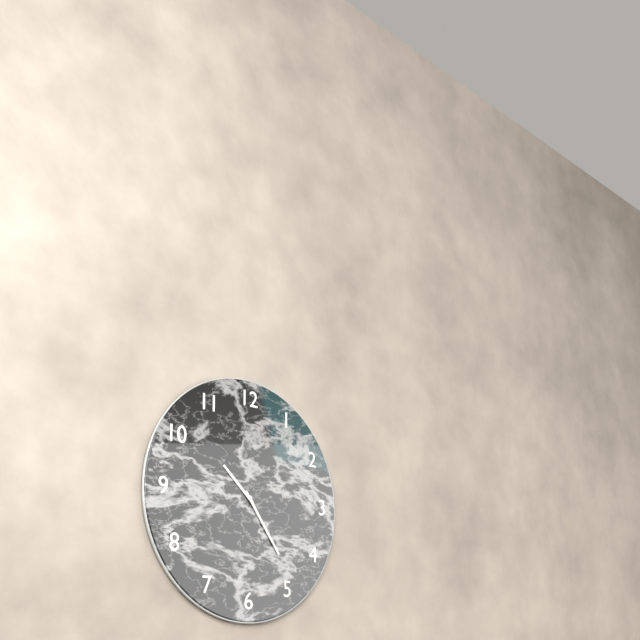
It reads **10:24**
